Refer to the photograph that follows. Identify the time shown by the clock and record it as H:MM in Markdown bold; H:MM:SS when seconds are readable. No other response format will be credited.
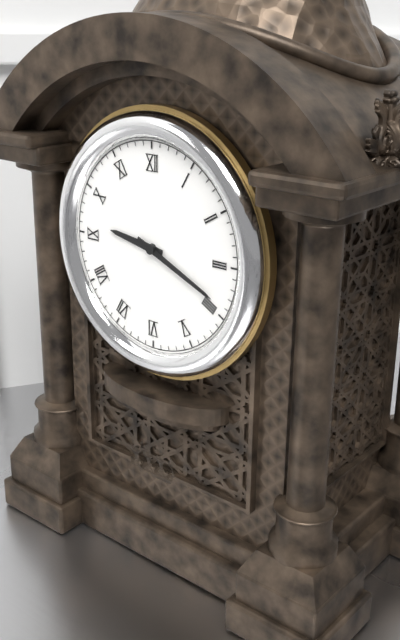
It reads **9:19**
